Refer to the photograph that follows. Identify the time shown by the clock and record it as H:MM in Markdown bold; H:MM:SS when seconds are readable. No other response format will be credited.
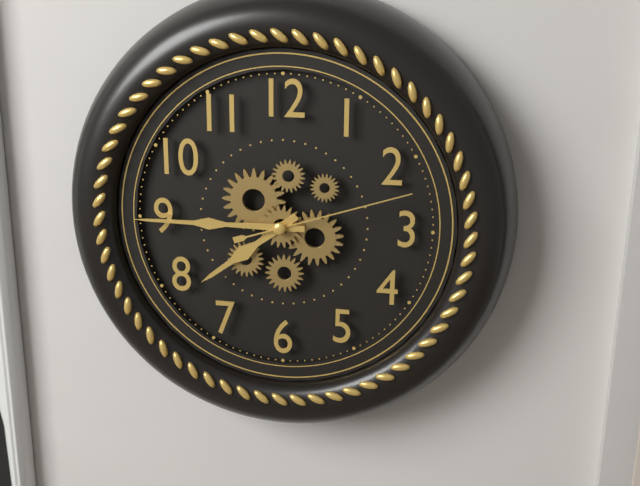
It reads **7:45:12**
